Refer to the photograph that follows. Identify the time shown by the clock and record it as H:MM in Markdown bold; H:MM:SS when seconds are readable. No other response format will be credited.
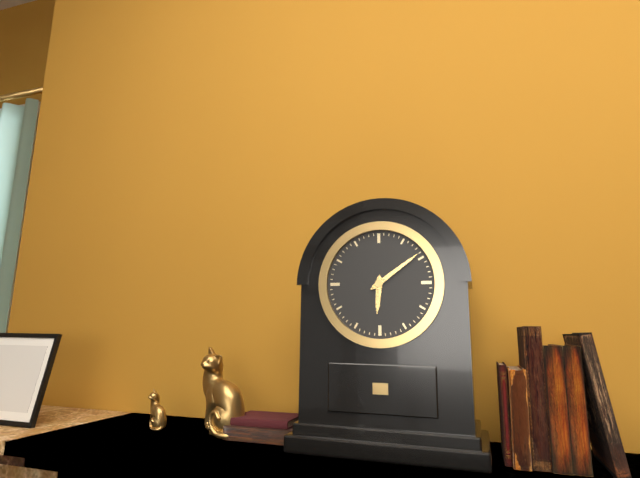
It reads **6:09**
